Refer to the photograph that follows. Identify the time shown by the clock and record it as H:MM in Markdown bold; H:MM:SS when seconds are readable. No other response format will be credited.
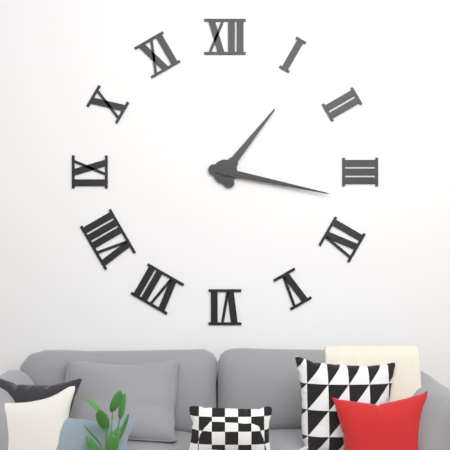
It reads **1:17**
